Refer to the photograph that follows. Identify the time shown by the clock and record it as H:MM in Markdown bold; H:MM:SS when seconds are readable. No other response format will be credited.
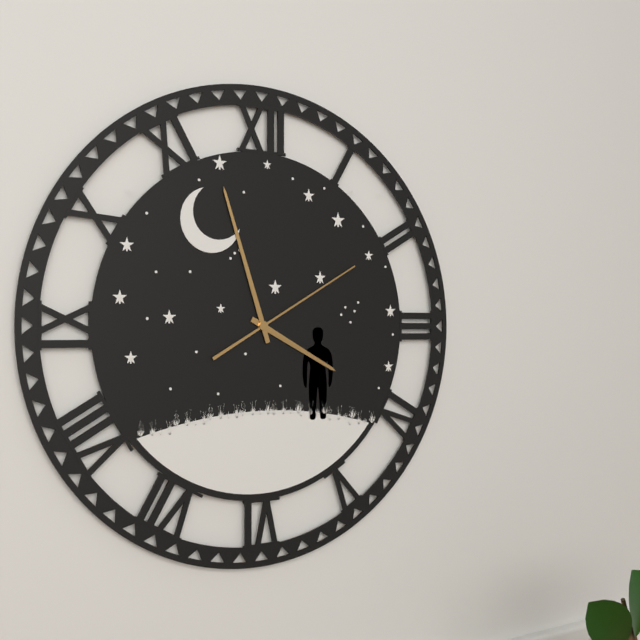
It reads **3:57:10**
